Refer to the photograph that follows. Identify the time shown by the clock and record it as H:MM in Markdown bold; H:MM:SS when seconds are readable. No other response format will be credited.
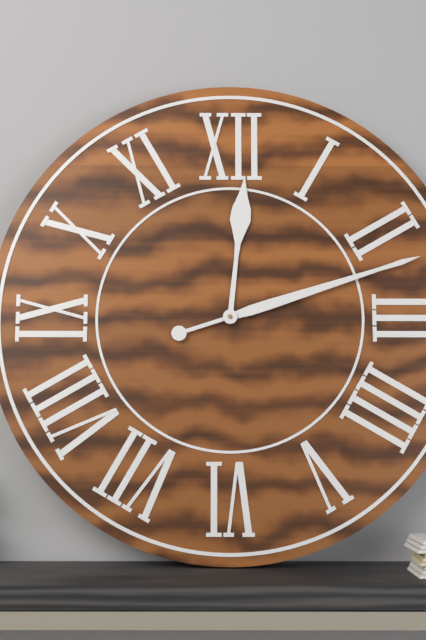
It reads **12:12**
